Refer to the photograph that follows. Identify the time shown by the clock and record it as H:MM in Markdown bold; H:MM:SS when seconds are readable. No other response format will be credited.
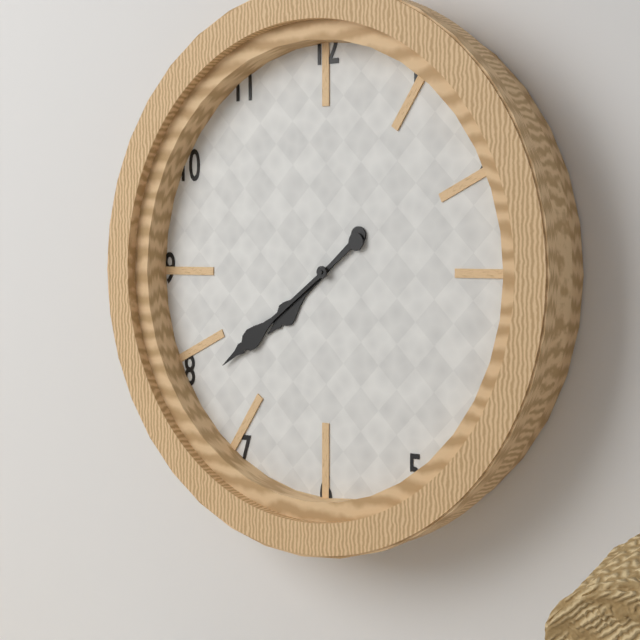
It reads **7:39**
